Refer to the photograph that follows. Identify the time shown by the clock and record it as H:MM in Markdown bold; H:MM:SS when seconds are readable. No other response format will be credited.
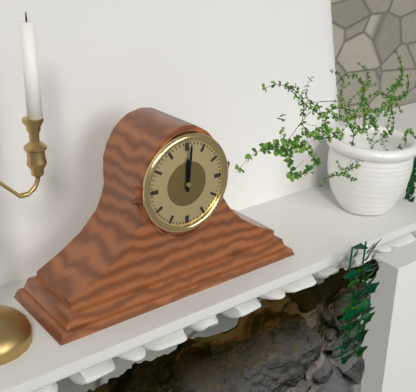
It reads **12:01**
